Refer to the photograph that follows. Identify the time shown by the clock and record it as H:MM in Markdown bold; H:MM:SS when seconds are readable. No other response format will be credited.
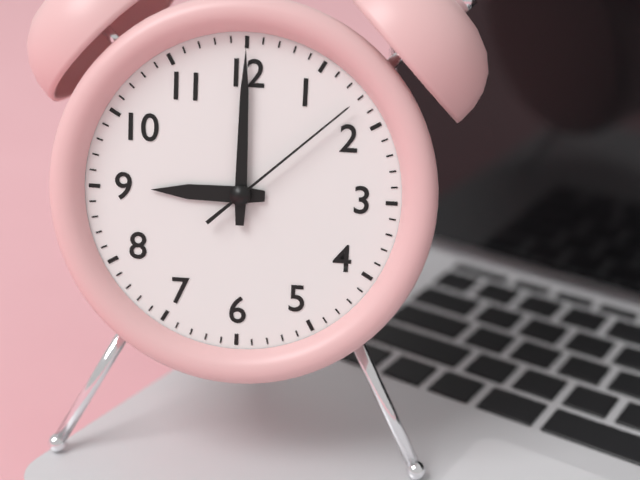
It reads **9:00:08**
